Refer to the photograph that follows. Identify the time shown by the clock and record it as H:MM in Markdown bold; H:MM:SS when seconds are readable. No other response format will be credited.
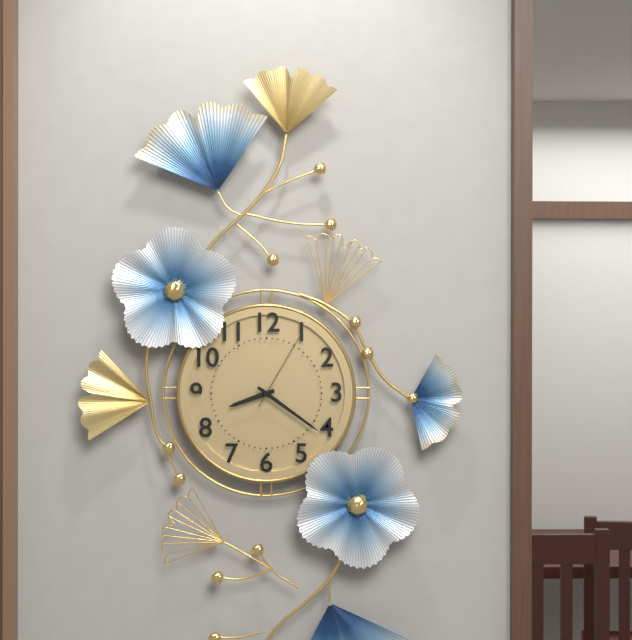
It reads **8:21:05**
